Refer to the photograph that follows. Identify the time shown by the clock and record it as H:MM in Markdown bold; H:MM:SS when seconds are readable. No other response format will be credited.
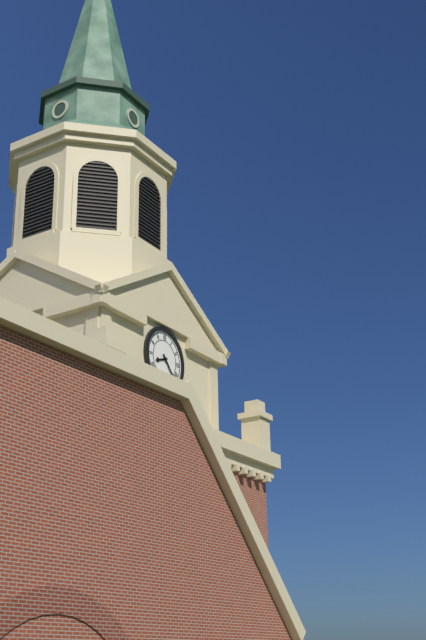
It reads **8:23**
